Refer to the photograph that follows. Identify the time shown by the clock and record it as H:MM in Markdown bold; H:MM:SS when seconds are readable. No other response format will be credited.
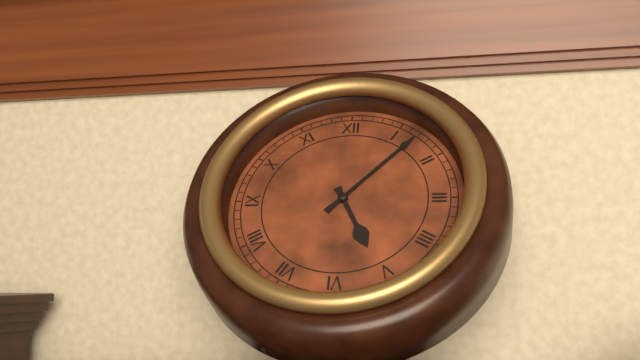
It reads **5:07**
